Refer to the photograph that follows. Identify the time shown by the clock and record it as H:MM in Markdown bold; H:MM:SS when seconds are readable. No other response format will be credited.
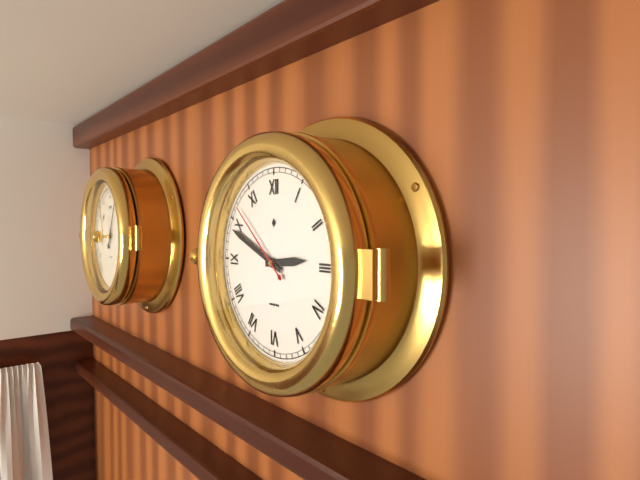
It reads **2:49:52**
